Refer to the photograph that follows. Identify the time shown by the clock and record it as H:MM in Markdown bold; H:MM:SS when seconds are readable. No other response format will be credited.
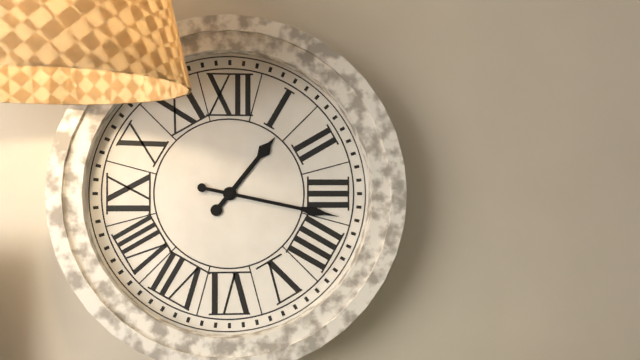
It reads **1:17**
